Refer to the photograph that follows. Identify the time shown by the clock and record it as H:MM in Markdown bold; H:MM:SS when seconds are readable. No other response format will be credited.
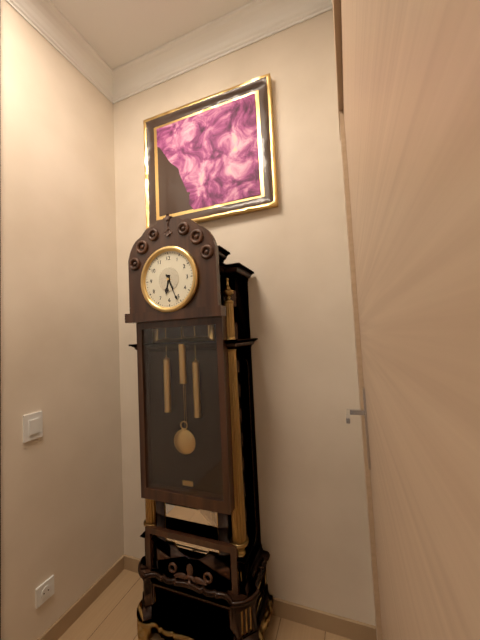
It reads **6:26**
